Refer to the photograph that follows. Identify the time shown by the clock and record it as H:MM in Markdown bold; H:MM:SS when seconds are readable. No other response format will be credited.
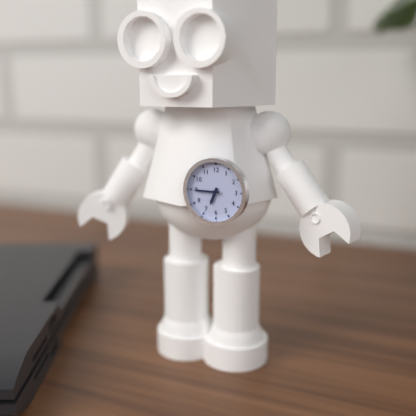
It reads **6:45**
